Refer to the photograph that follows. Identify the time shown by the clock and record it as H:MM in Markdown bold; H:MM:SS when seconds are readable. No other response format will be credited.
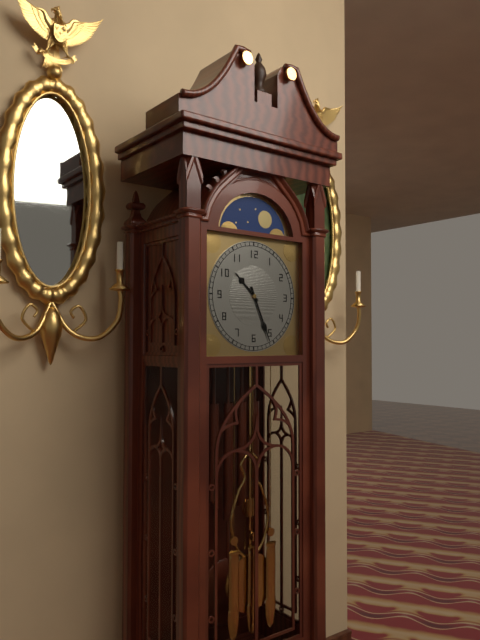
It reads **10:26**
